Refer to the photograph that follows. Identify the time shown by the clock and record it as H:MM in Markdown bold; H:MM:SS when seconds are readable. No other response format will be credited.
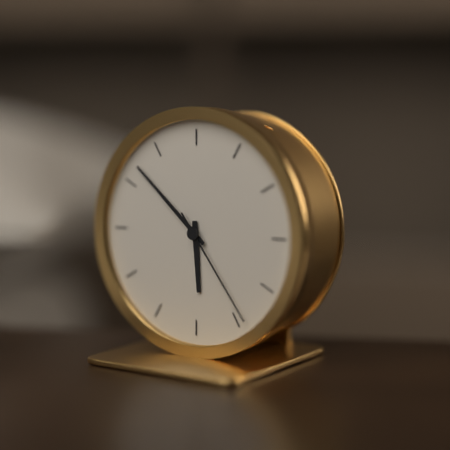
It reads **5:52:24**
